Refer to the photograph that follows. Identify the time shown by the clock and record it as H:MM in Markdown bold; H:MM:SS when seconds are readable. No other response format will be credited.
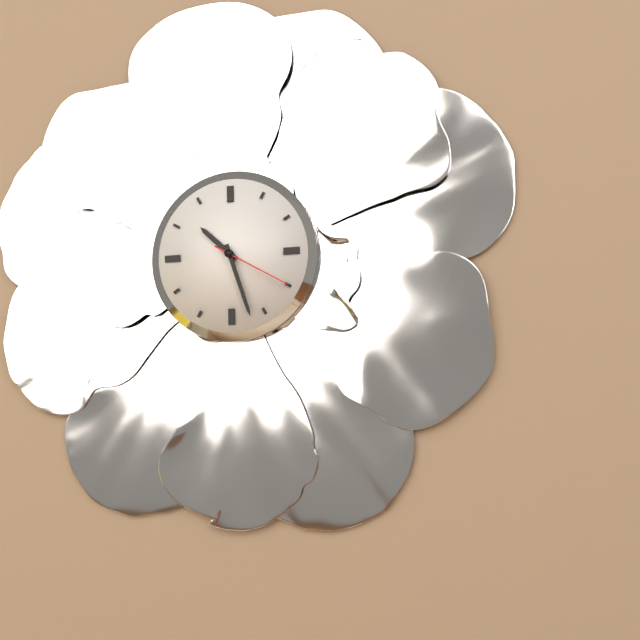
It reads **10:27:20**
